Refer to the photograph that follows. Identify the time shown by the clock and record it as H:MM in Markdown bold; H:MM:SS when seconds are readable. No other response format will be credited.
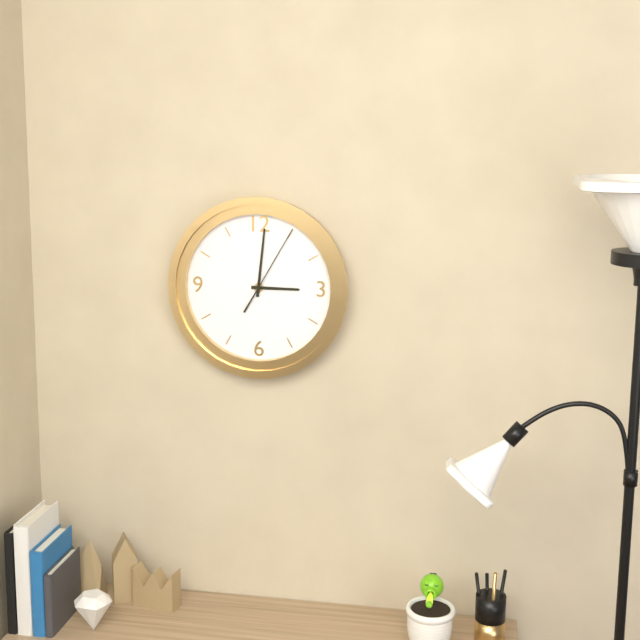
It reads **3:01:05**
